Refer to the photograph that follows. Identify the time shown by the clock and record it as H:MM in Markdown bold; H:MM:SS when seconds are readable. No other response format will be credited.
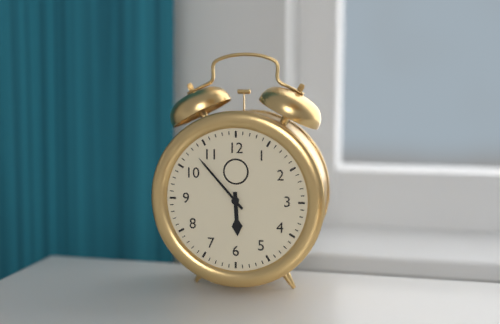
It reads **5:53**
